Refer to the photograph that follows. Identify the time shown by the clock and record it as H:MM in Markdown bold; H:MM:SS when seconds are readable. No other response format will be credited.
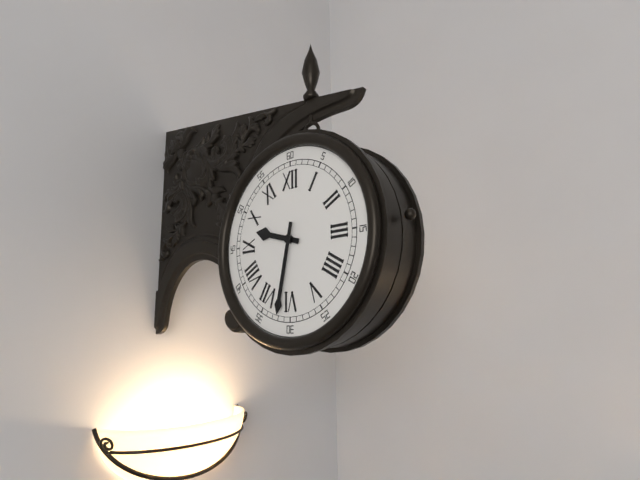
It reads **9:32**
